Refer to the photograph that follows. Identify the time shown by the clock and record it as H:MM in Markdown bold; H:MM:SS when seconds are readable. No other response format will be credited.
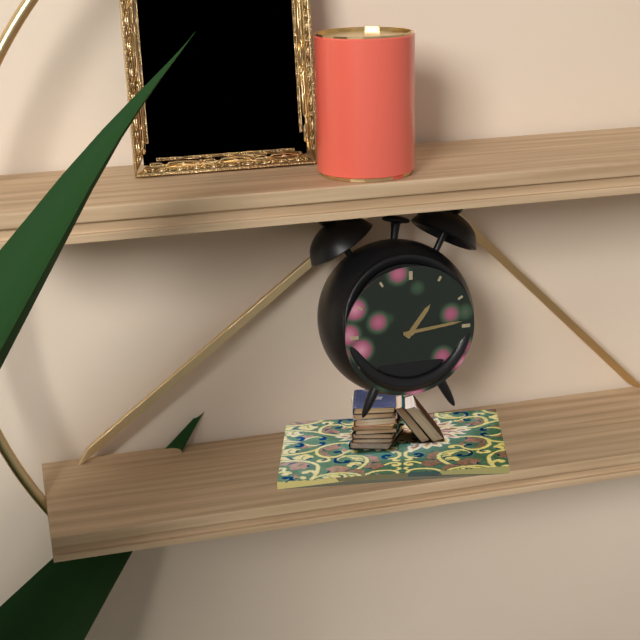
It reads **1:14**
